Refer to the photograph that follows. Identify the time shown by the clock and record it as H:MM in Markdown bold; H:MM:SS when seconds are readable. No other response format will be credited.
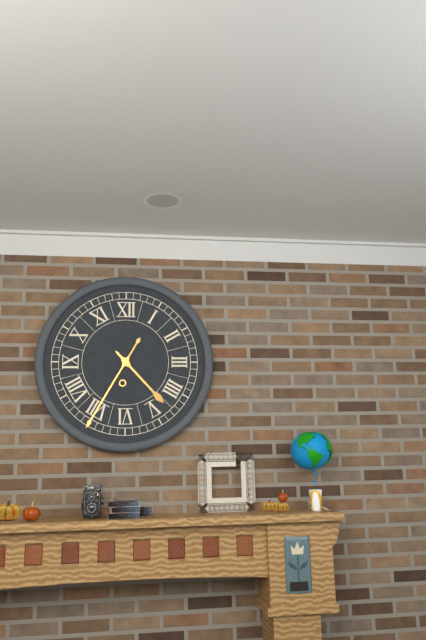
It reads **4:35**
